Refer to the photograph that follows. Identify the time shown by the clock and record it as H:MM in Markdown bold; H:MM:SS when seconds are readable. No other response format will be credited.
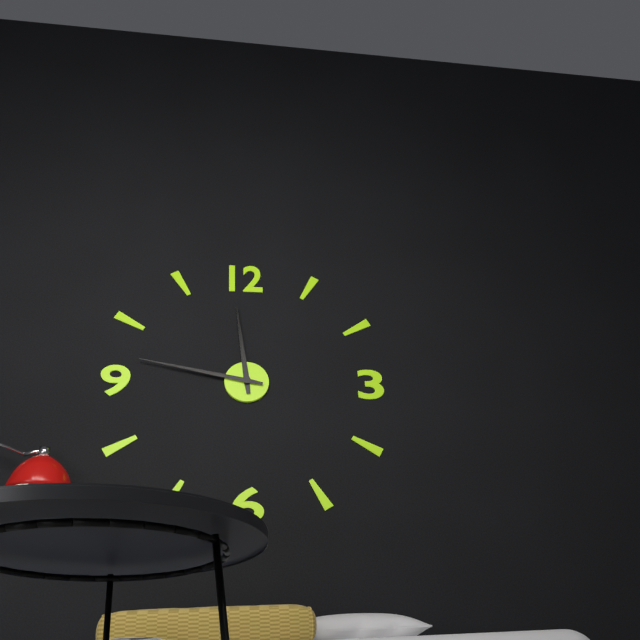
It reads **11:47**
